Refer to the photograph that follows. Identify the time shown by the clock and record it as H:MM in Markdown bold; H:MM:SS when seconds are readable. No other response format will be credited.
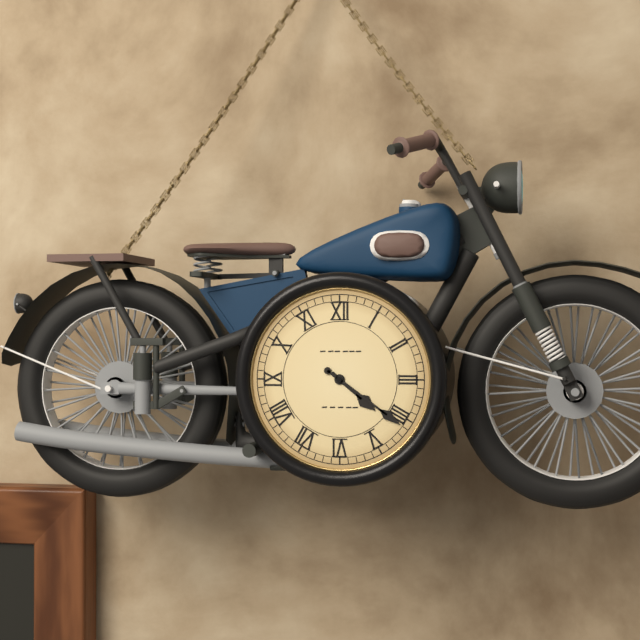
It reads **4:21**
